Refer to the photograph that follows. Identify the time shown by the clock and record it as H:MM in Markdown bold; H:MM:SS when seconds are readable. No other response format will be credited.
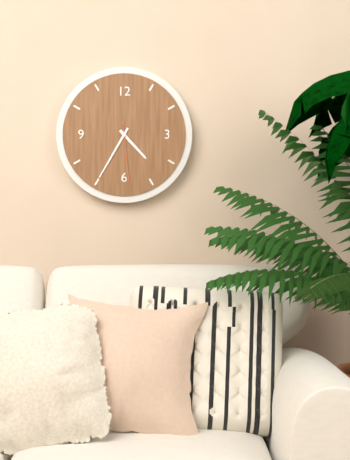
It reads **4:35:29**
